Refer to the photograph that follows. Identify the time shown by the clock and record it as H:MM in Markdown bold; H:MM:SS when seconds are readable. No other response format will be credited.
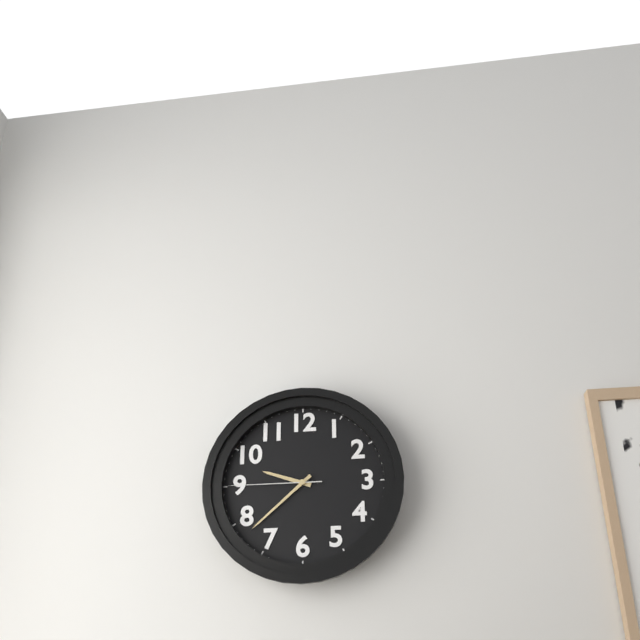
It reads **9:38:45**
